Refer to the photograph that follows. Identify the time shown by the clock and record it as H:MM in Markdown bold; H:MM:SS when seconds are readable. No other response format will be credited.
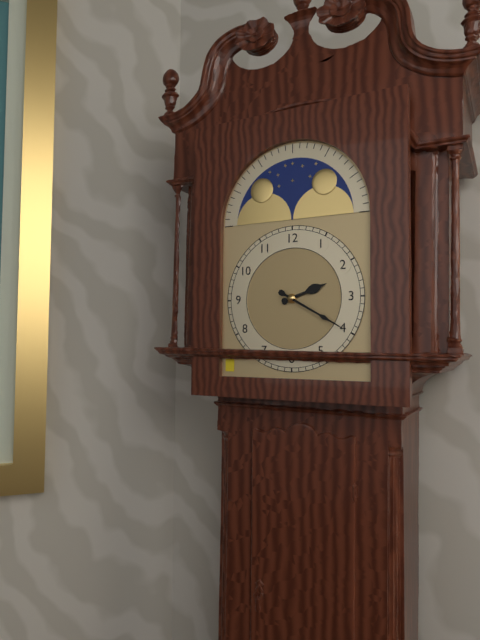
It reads **2:20**
